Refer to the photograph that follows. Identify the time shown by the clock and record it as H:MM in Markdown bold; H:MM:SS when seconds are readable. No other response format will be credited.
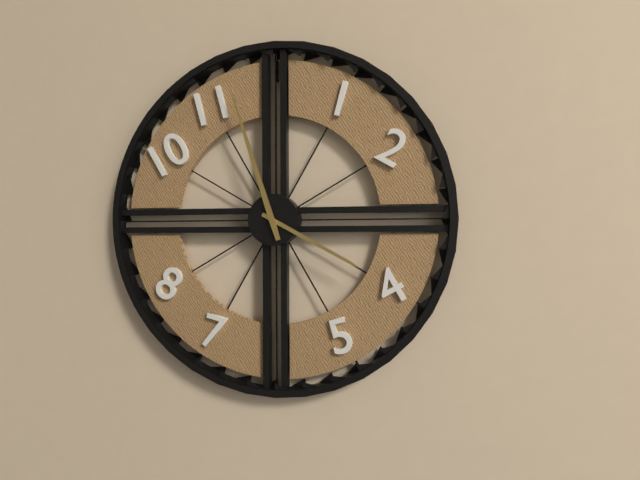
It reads **3:57**
